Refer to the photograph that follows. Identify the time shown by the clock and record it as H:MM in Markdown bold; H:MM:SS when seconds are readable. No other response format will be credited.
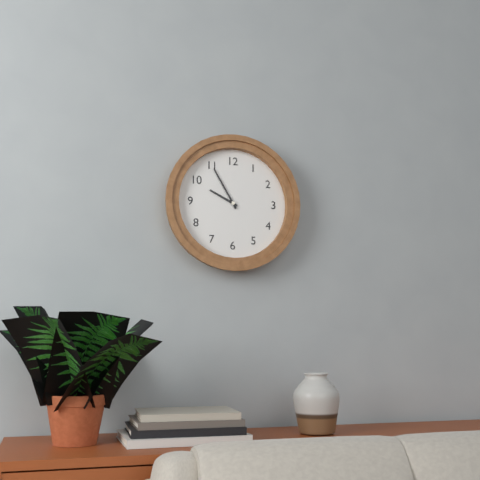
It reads **9:55**
